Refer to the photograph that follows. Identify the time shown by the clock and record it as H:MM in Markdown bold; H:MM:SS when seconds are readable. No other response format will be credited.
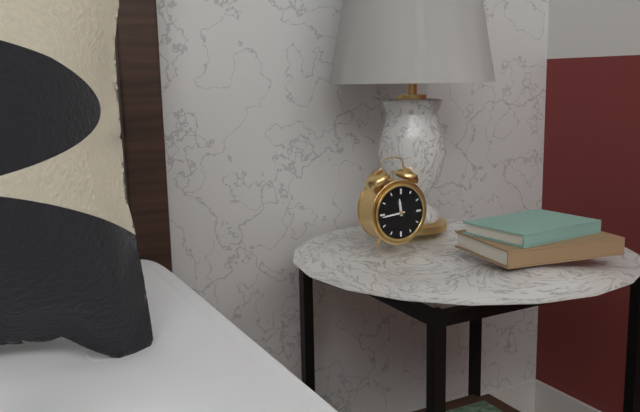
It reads **11:44**
